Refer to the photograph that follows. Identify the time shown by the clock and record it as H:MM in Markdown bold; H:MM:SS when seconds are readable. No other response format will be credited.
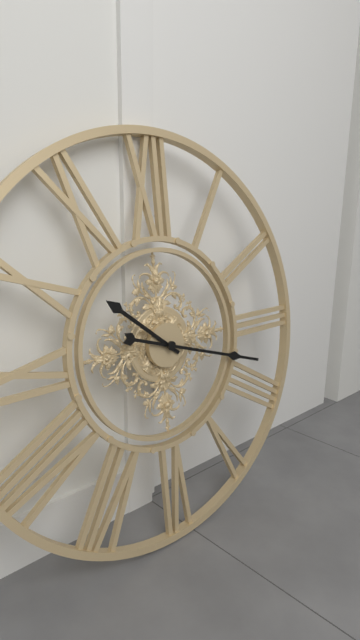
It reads **10:18**
